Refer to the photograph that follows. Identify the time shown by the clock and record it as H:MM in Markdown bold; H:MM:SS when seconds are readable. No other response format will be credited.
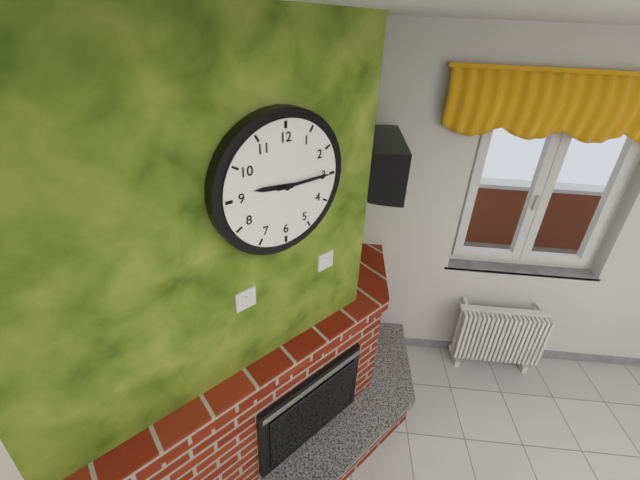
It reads **9:15**
